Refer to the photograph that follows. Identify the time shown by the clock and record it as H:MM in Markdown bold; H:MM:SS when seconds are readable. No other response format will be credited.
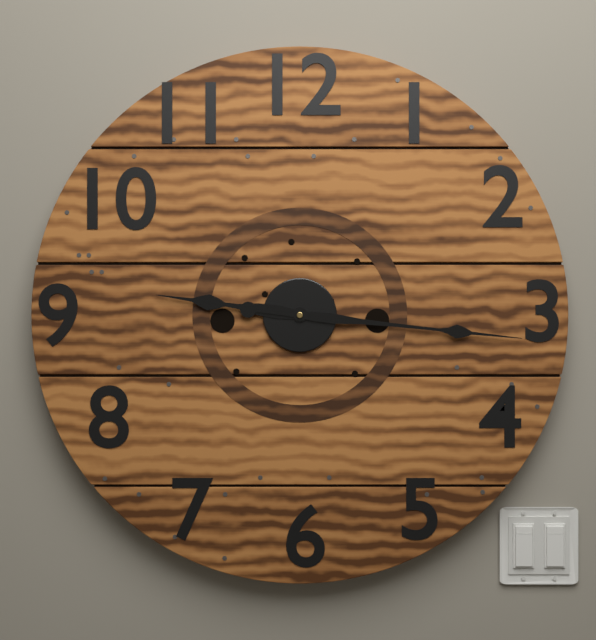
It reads **9:16**
